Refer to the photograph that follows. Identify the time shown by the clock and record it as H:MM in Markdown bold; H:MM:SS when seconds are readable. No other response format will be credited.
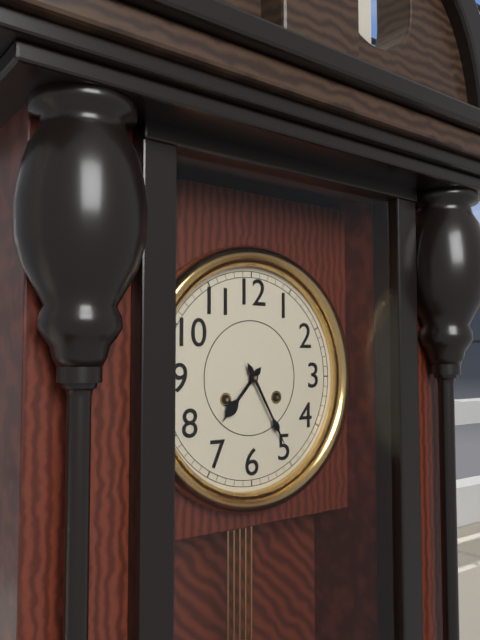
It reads **7:25**
